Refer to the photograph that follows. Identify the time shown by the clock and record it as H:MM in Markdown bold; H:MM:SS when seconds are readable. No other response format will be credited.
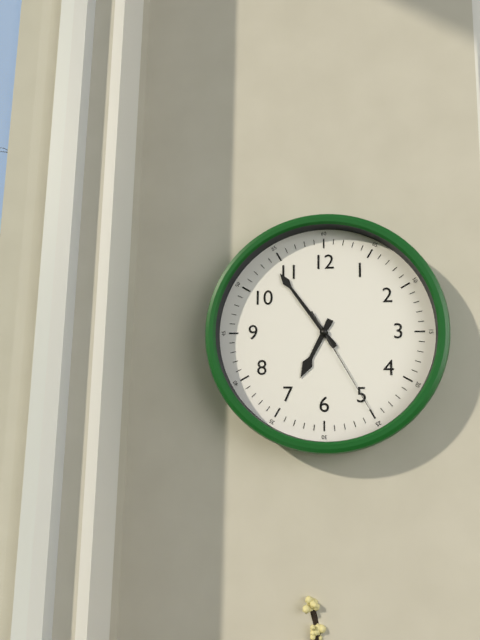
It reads **6:54:25**
